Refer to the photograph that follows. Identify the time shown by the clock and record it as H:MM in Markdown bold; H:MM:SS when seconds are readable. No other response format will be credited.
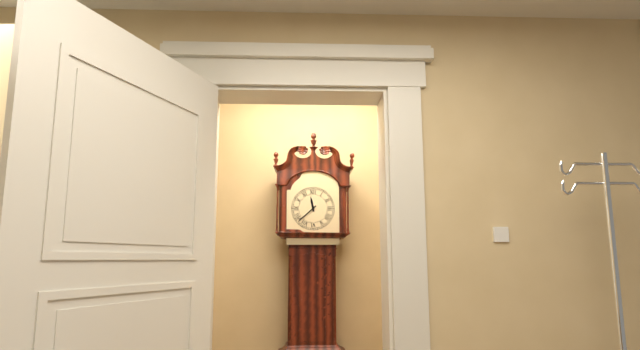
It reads **11:38**
